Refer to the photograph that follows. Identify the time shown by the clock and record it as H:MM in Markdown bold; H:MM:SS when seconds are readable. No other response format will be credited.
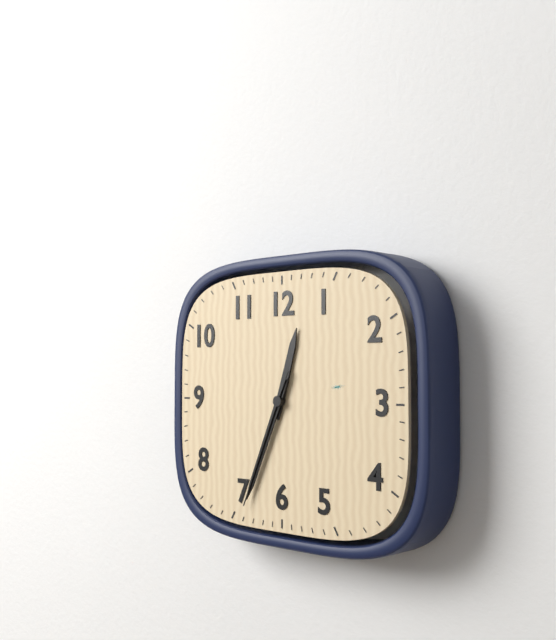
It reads **12:34:34**
